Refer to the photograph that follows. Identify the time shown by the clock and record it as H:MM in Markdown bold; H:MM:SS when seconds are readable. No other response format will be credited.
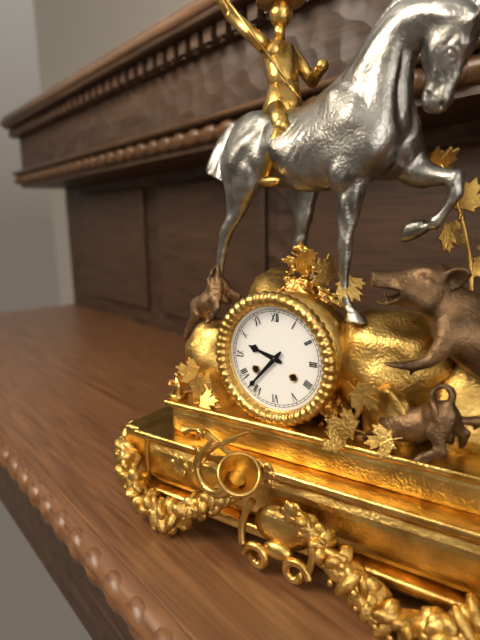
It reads **9:37**
